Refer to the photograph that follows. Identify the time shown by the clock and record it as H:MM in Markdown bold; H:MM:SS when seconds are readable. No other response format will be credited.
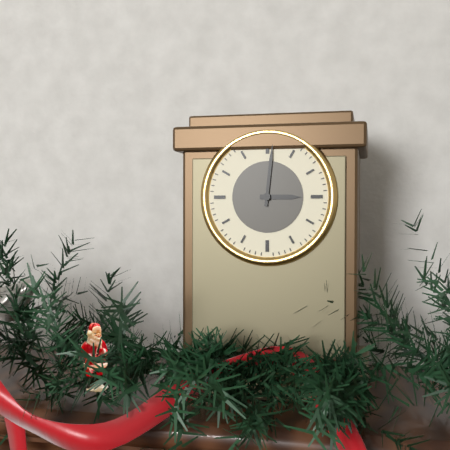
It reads **3:01**
